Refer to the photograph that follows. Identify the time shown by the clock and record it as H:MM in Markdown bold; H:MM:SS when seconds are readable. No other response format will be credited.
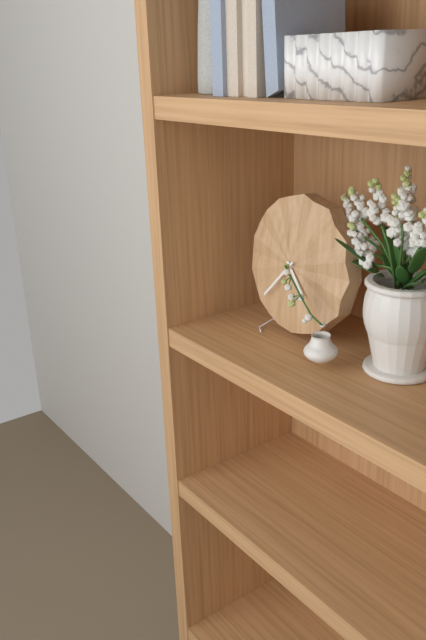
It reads **4:37**
